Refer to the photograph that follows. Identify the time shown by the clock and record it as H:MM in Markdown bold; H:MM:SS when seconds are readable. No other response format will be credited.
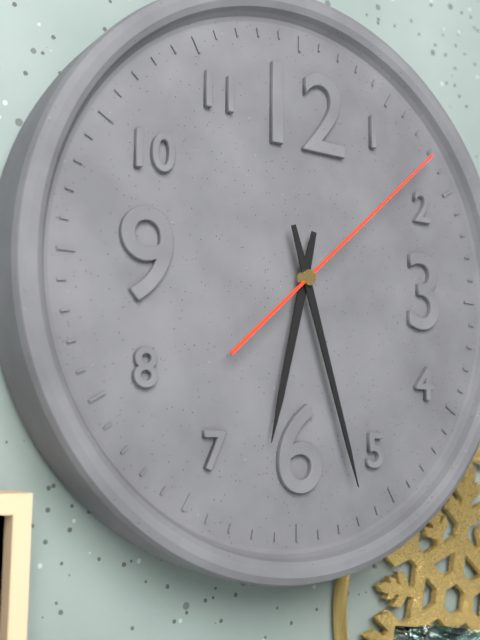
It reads **6:27:08**
